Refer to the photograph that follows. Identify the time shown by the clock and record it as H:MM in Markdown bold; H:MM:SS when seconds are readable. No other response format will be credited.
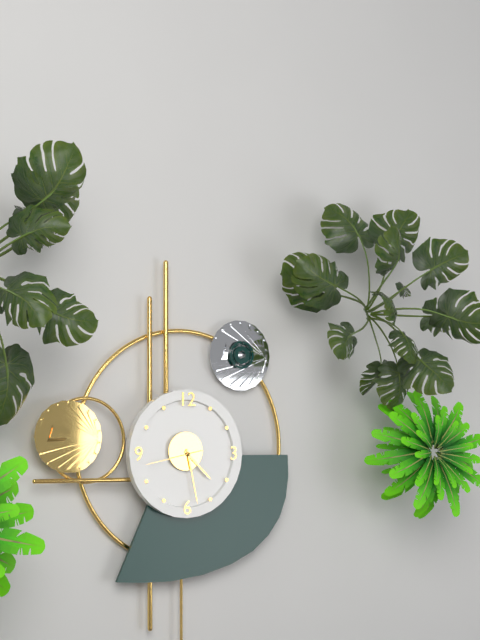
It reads **4:28:43**
